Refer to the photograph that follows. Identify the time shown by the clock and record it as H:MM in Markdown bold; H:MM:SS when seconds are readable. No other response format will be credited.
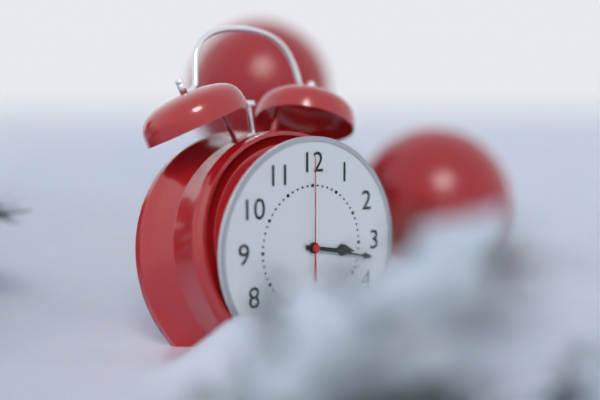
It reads **3:17:00**
